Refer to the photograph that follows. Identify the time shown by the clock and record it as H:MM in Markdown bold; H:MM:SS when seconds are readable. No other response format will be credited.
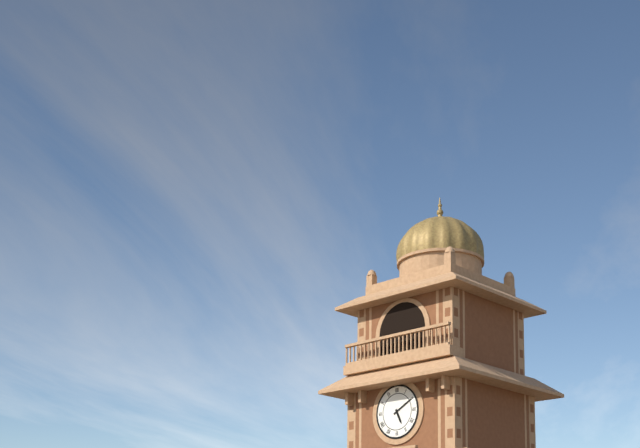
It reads **5:10**
